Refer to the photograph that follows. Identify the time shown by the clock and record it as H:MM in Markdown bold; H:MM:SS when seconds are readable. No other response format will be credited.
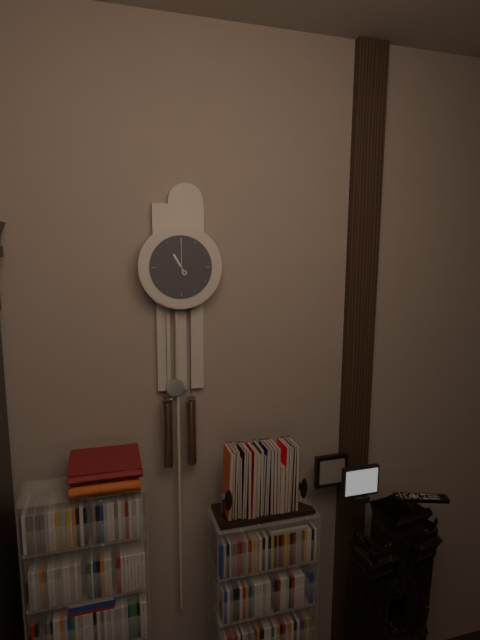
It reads **11:00**
